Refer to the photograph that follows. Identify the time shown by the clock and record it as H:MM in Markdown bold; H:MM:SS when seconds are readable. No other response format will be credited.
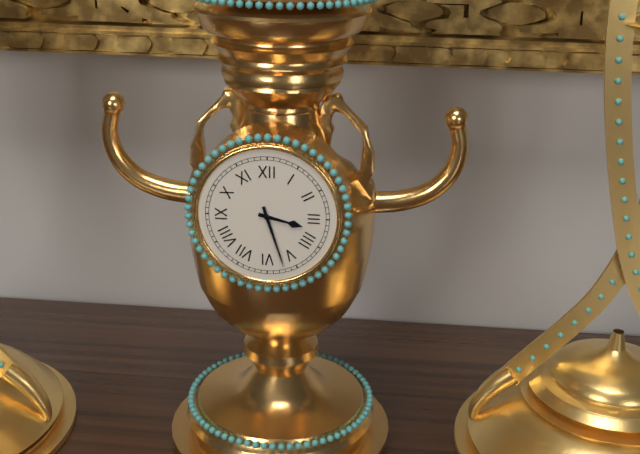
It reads **3:27**
